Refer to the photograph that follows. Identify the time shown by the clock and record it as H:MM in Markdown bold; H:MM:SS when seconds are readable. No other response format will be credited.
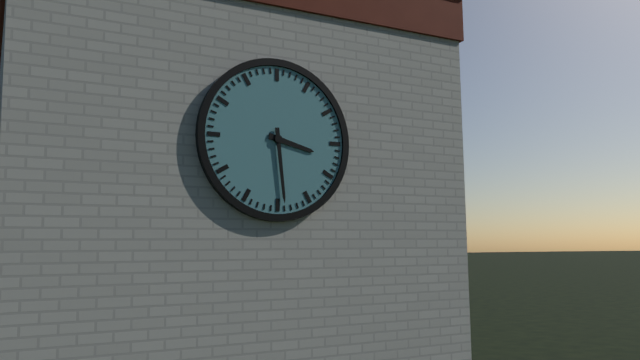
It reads **3:29**
